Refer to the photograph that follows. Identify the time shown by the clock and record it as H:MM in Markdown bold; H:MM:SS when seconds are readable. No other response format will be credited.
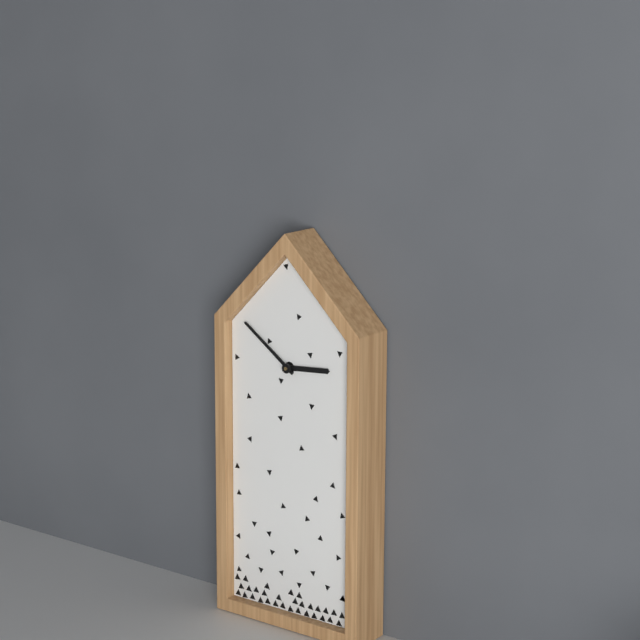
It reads **2:51**
